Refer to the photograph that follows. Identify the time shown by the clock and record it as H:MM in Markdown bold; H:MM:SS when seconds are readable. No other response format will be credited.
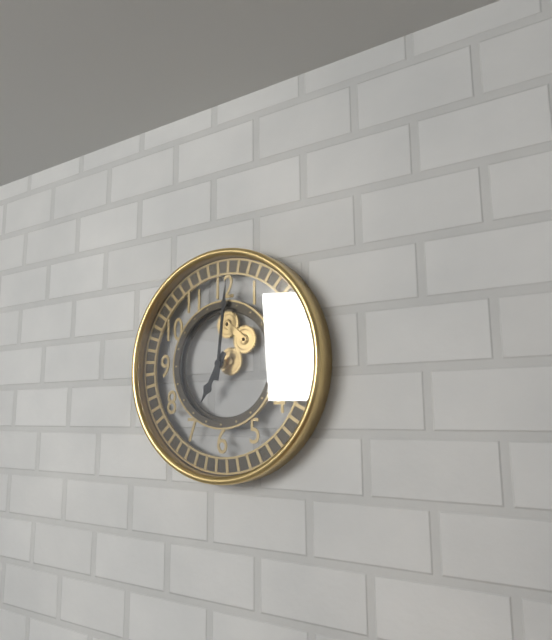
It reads **7:01**
